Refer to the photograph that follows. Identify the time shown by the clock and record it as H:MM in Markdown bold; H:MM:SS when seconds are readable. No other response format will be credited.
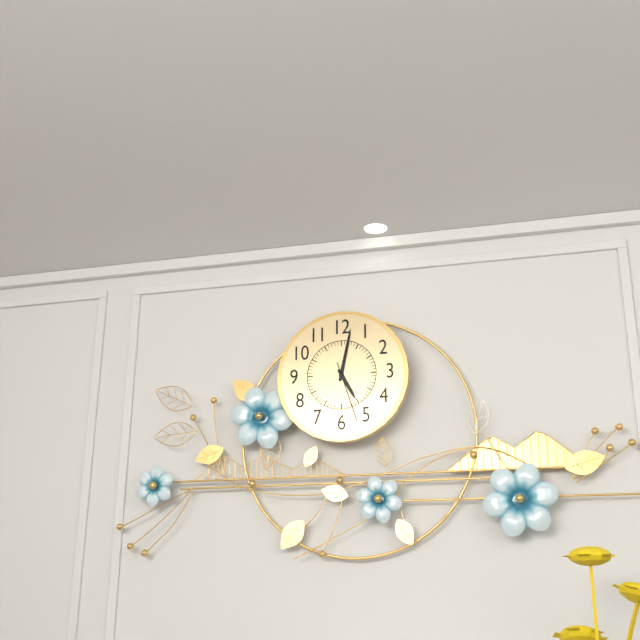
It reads **5:02:27**
